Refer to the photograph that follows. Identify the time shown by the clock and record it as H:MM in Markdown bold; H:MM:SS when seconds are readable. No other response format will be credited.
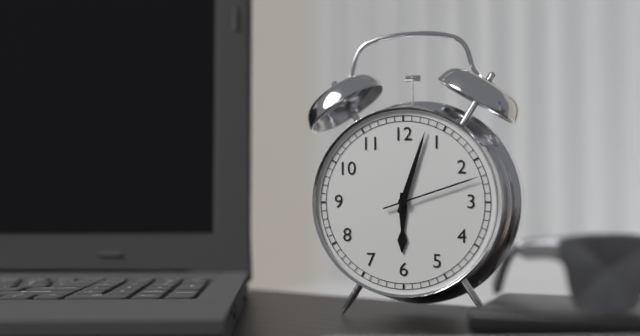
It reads **6:03:12**
